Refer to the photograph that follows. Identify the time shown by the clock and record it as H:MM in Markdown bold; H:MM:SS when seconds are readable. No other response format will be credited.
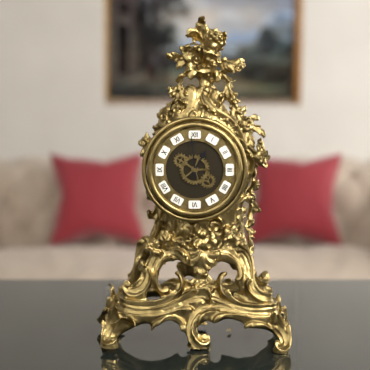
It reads **12:59**
